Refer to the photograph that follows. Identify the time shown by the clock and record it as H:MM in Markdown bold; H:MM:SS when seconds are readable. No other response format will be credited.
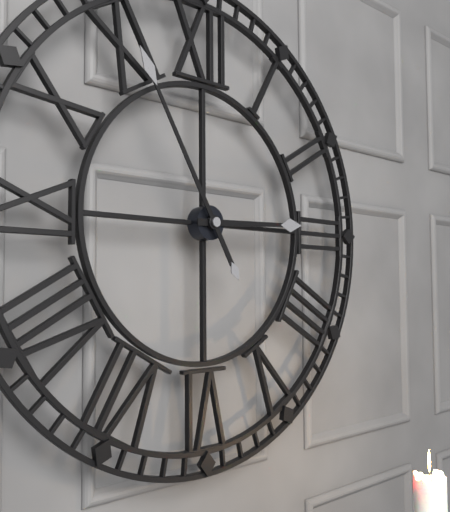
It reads **2:55**
